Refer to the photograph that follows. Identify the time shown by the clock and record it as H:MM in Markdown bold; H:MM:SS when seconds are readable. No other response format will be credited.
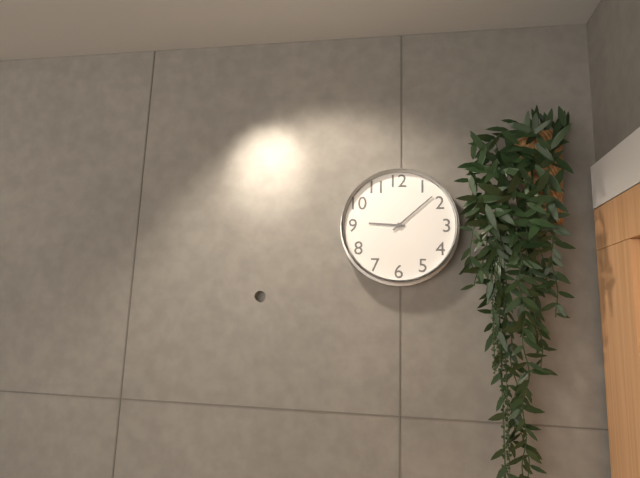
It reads **9:08**
